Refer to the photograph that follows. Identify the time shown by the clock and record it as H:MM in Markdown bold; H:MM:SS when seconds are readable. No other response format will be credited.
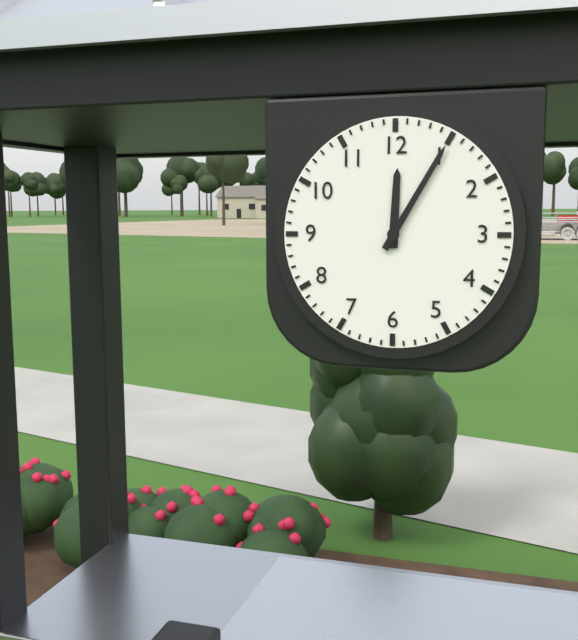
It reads **12:05**
